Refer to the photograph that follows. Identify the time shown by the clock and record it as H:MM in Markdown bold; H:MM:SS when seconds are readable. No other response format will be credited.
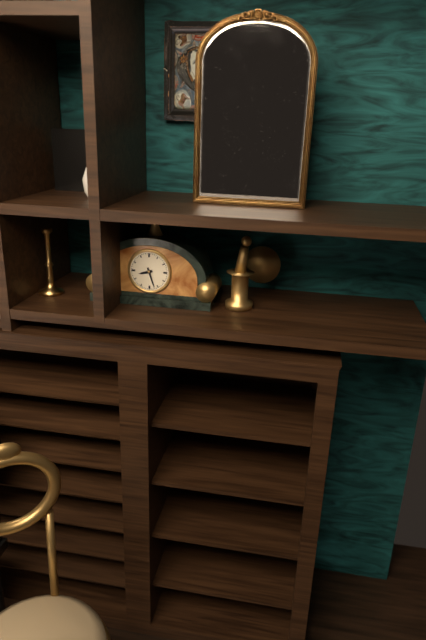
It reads **8:27**
